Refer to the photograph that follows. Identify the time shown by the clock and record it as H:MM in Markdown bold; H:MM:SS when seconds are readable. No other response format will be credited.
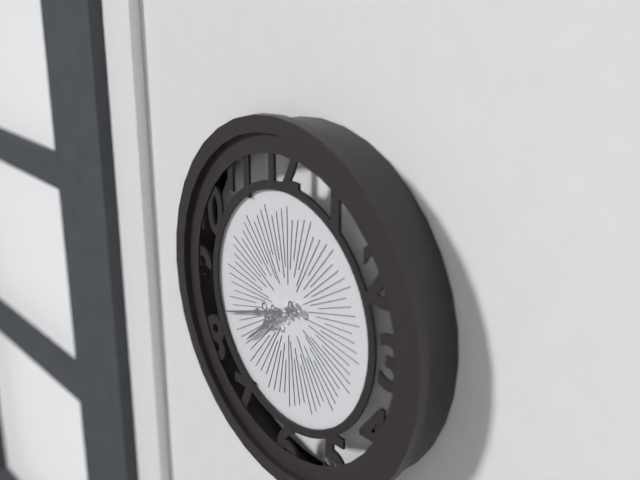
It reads **7:42**
